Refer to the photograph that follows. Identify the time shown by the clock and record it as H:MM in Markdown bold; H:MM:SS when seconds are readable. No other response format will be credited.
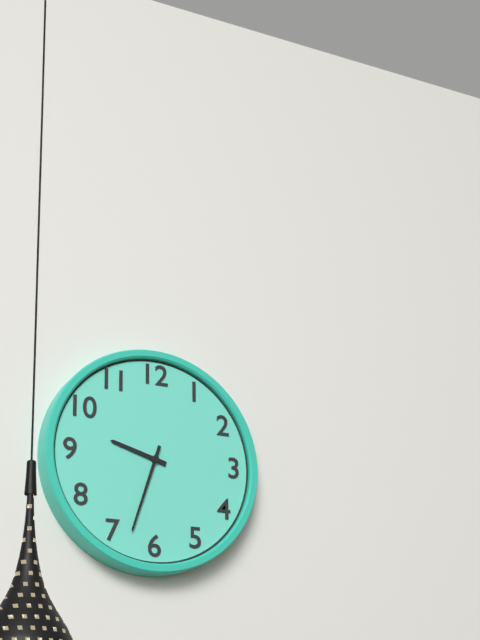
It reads **9:33**
